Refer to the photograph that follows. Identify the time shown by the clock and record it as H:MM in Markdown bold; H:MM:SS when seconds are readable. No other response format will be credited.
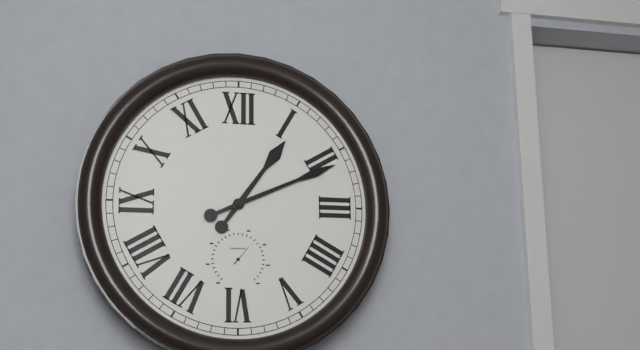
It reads **1:11**
